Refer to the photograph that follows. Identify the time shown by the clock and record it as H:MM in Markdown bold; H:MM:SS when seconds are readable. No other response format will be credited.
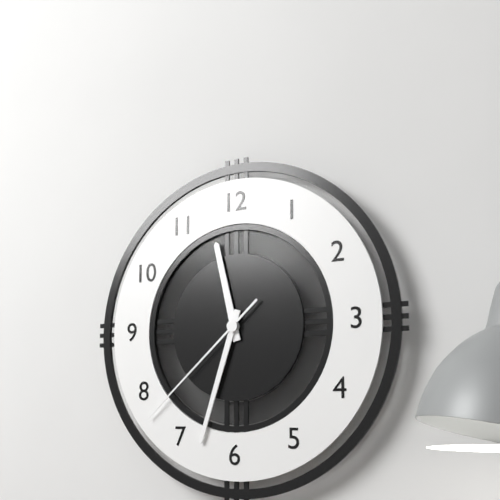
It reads **11:33:38**
